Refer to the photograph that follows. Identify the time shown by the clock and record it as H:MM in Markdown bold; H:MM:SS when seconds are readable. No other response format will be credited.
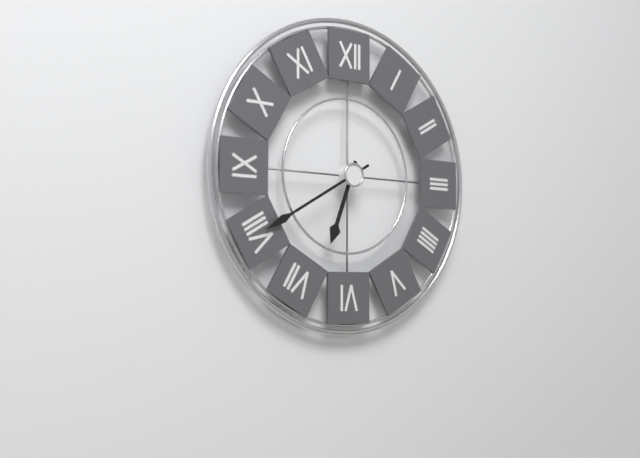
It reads **6:40**
